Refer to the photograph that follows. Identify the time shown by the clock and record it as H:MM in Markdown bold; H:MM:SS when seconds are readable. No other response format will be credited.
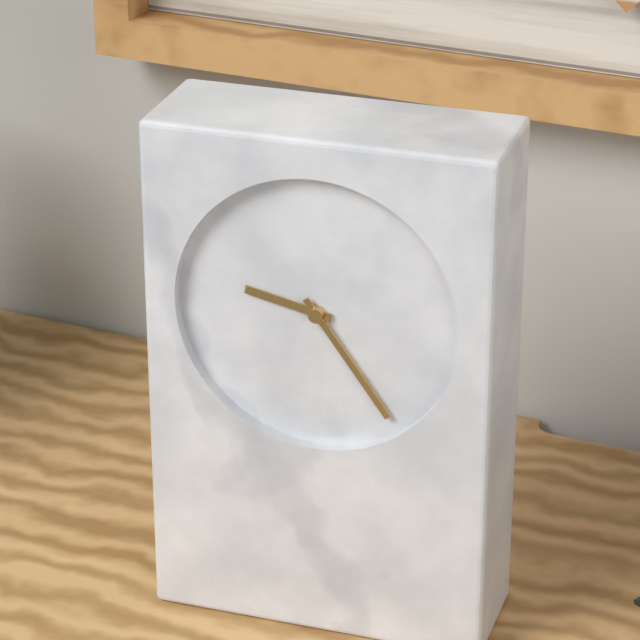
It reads **9:24**
